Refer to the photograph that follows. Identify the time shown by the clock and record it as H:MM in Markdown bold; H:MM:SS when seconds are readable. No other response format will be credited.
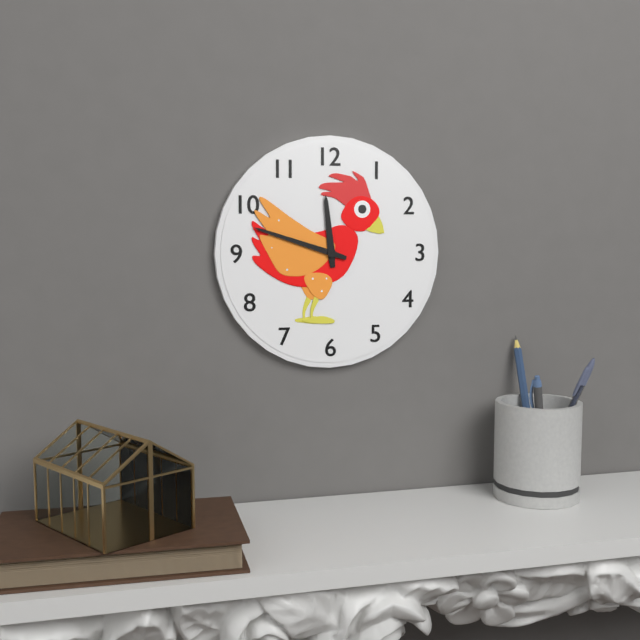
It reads **11:48**
